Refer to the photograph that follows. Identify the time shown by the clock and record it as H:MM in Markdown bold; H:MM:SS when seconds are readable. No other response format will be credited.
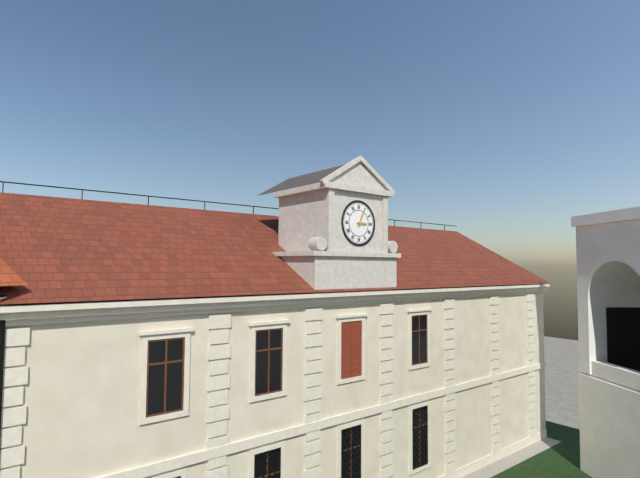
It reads **3:04**
